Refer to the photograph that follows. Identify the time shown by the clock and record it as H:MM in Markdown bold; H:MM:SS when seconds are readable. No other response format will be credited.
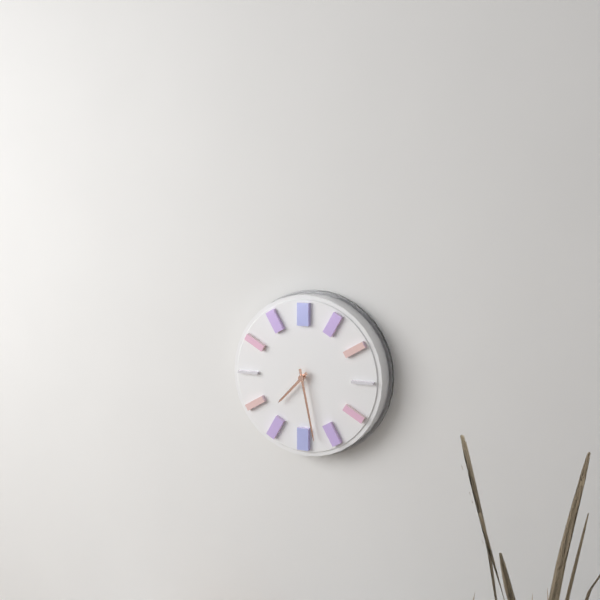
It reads **7:28**
